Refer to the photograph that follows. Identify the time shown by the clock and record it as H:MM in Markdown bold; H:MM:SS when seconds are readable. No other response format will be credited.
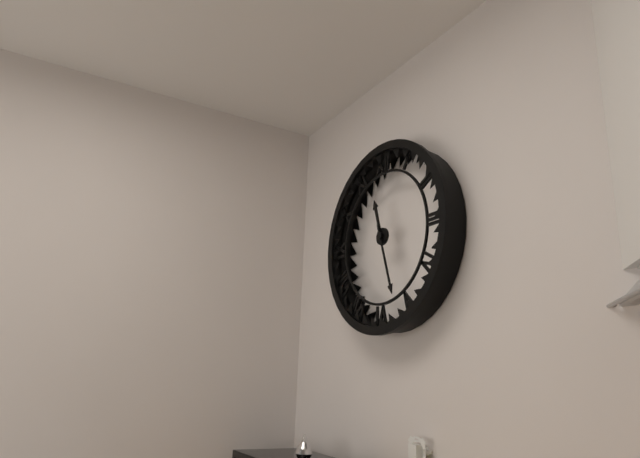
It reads **11:27**
